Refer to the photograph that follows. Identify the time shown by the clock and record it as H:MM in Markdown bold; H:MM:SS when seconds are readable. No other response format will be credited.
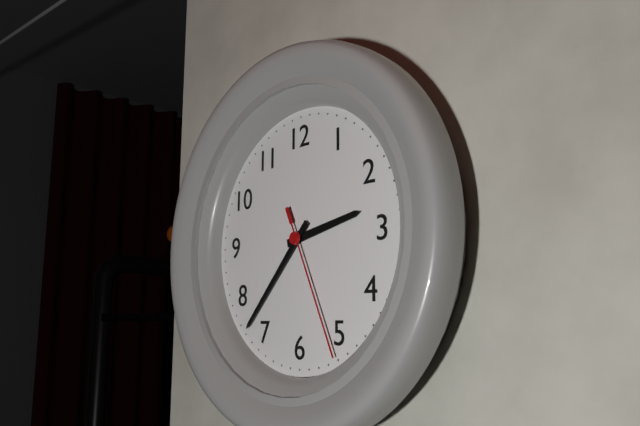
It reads **2:37:26**
